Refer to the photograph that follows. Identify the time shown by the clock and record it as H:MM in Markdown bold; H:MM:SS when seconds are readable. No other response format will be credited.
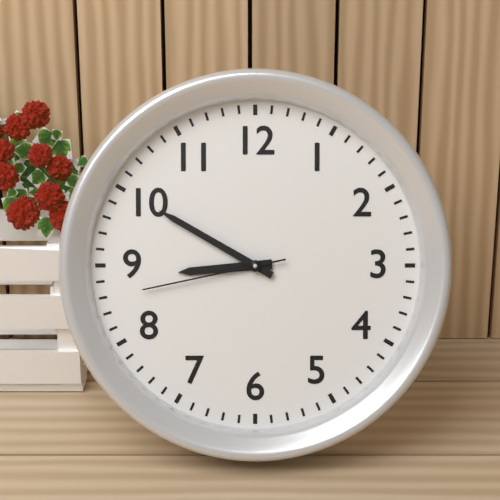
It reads **8:50:43**
